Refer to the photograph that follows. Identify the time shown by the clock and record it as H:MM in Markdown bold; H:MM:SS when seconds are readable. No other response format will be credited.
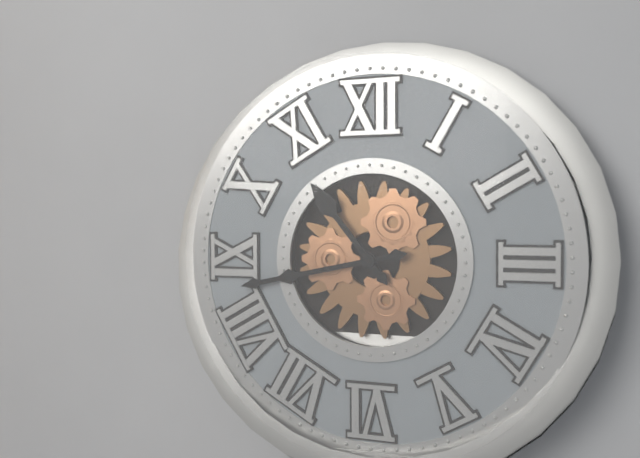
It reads **10:43**
